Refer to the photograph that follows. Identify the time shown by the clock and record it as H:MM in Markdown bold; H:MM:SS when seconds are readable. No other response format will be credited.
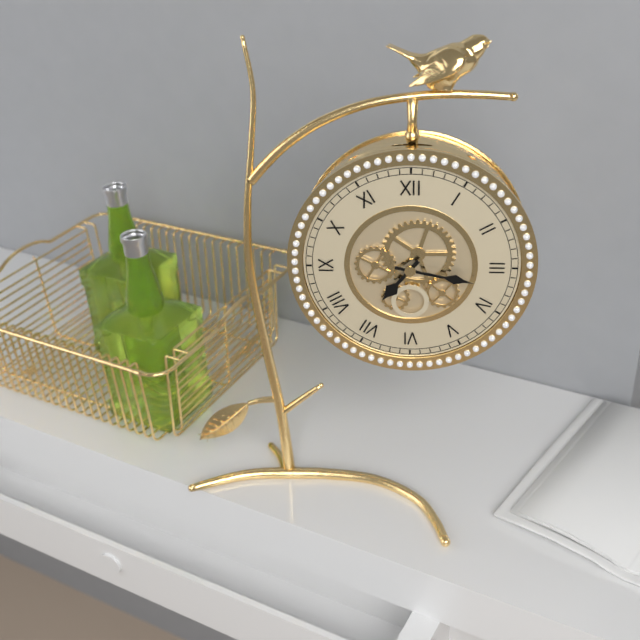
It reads **7:17**
